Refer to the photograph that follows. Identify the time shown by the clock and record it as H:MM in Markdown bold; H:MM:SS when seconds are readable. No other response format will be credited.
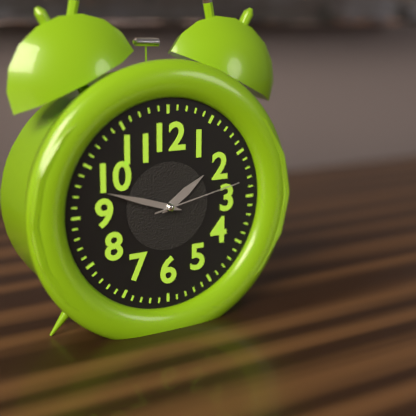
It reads **1:48:13**
